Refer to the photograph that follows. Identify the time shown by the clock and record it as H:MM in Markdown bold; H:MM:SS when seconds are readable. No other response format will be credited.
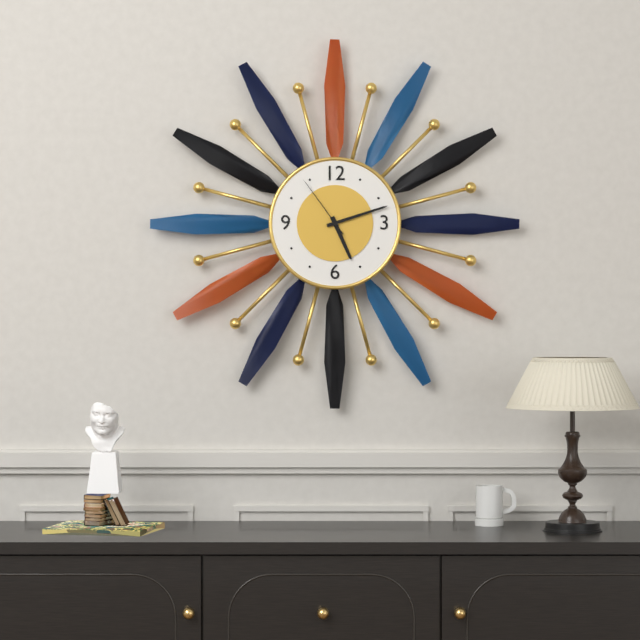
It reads **5:12:54**
